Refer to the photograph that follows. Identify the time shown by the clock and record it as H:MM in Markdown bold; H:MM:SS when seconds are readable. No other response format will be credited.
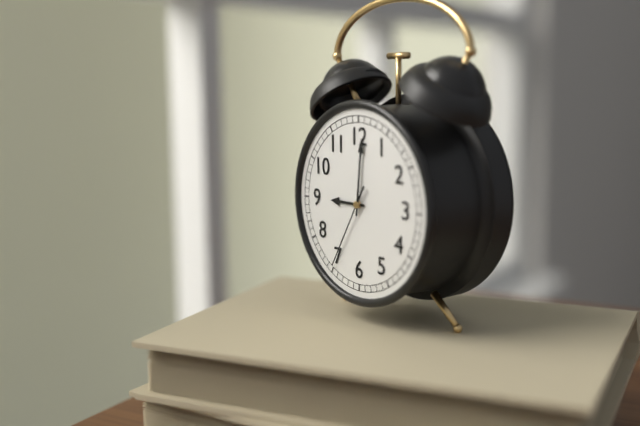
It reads **9:01:35**
